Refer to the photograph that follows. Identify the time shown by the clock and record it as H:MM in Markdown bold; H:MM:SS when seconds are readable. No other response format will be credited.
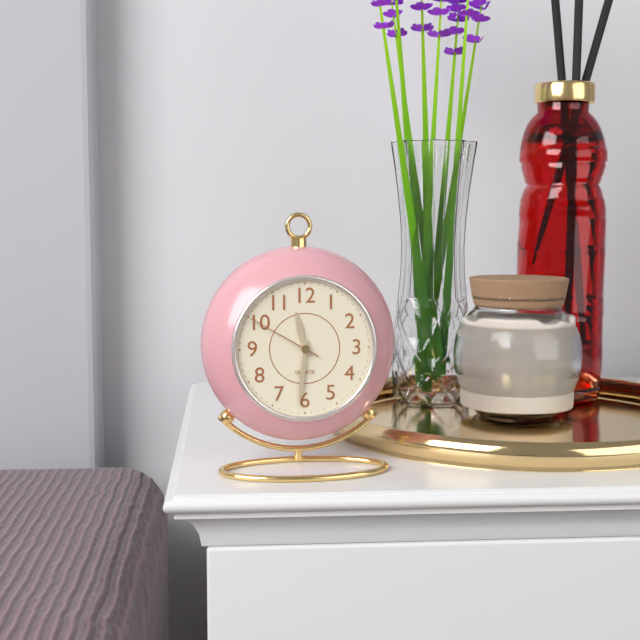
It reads **11:31:50**
